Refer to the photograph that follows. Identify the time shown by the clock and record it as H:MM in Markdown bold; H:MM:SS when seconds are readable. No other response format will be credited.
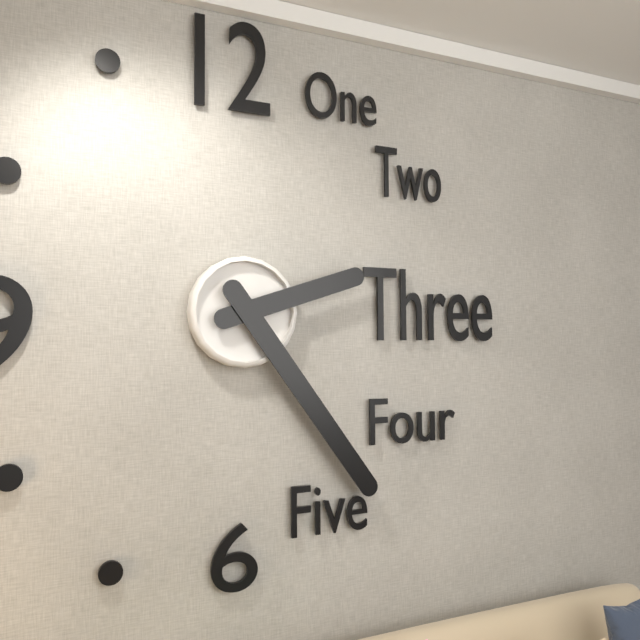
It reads **2:24**
